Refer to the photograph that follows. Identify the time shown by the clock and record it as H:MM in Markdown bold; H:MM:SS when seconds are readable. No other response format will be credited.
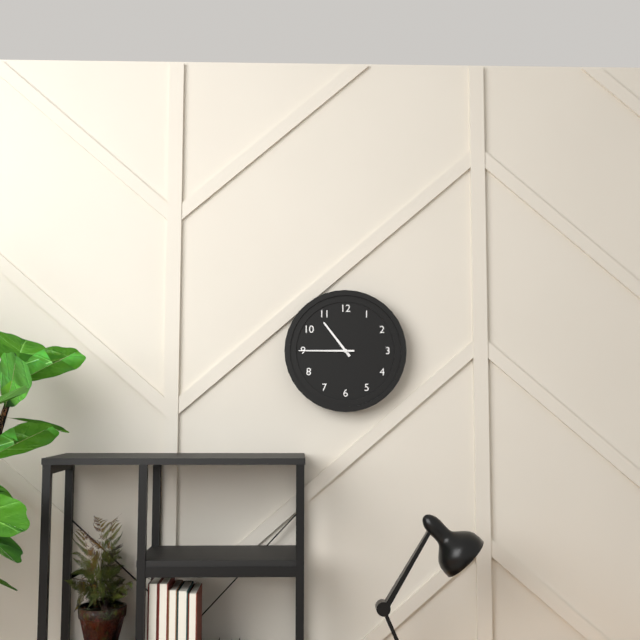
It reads **10:45**
